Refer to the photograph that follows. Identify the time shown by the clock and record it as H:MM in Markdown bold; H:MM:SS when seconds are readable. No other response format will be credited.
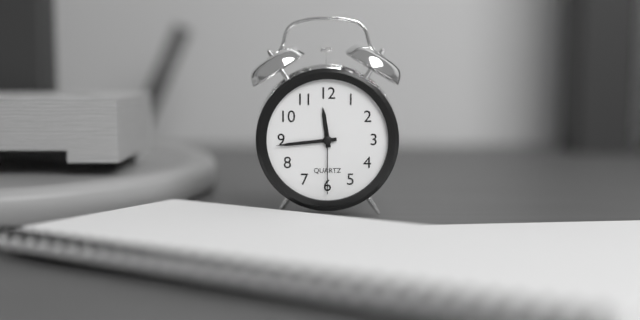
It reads **11:44:30**
